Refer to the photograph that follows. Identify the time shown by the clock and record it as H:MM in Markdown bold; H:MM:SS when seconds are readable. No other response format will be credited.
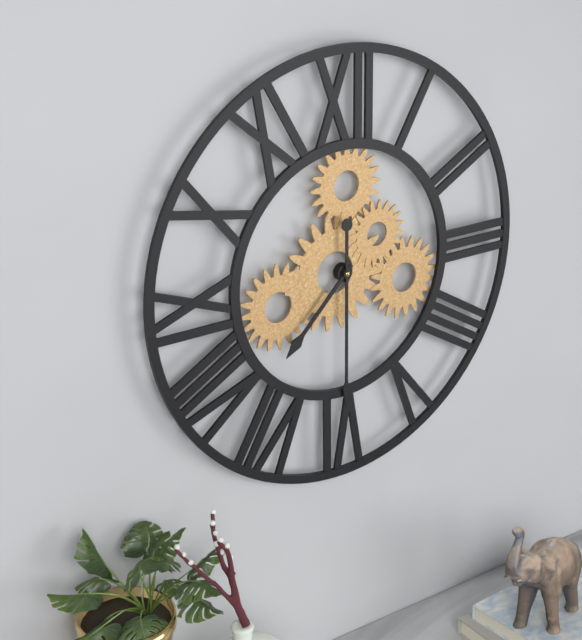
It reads **7:30**
